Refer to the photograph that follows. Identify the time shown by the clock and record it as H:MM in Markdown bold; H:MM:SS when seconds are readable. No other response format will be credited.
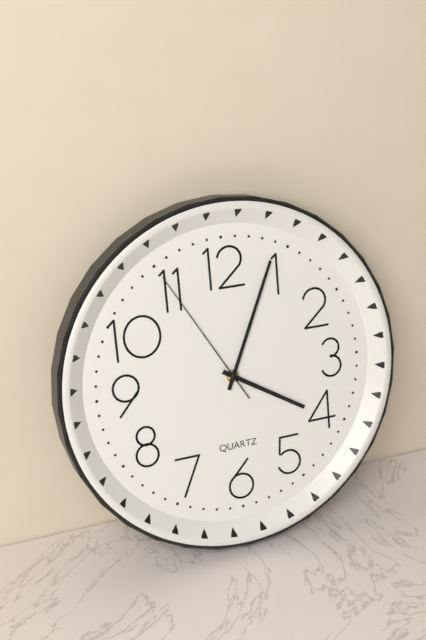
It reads **4:04:55**
